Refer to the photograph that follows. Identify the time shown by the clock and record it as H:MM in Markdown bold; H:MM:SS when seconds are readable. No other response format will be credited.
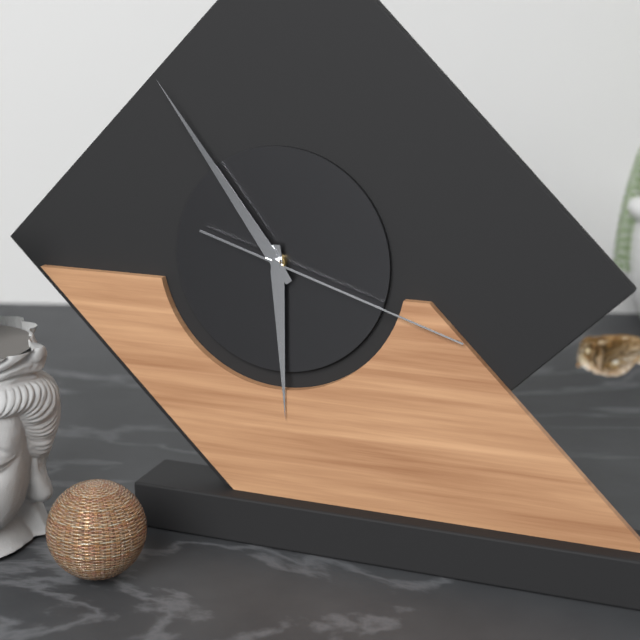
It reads **5:54:18**
